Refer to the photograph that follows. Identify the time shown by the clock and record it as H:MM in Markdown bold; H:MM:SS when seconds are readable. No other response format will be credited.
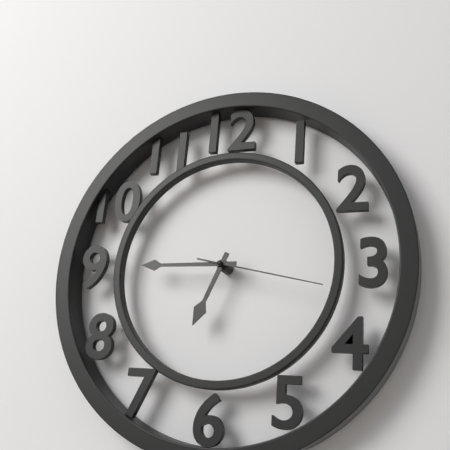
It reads **6:45:17**
